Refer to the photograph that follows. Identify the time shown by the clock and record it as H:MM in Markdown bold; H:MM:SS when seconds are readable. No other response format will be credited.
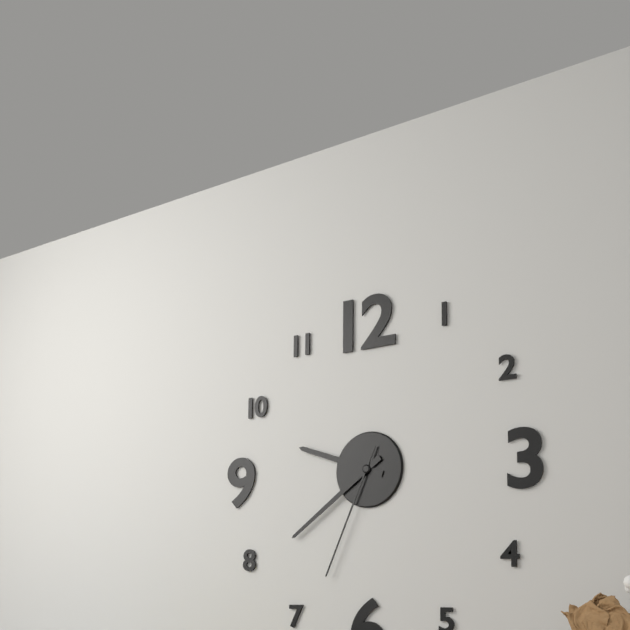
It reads **9:39:34**
